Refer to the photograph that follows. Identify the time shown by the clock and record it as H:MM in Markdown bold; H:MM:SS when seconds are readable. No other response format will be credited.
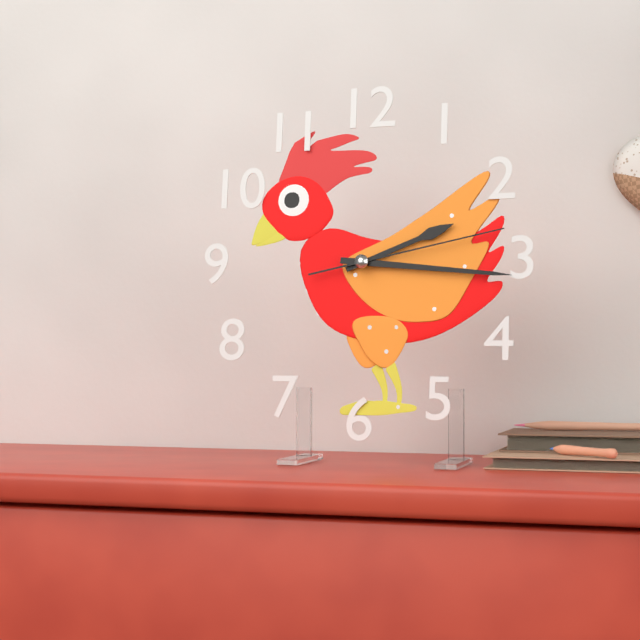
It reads **2:16:13**
